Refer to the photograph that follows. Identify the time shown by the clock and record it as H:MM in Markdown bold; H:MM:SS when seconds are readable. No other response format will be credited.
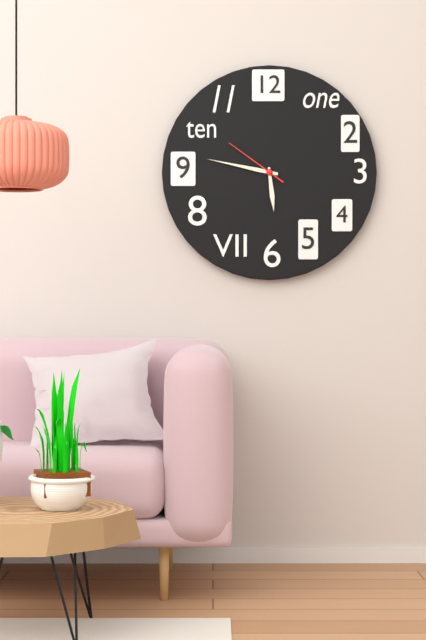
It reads **5:47:51**
